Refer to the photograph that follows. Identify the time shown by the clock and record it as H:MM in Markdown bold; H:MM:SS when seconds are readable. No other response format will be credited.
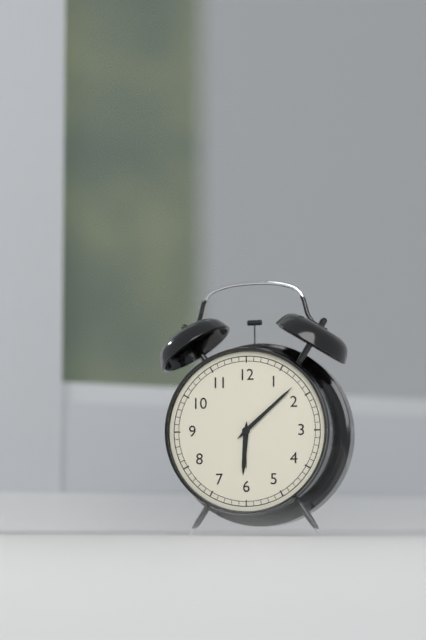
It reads **6:08**
